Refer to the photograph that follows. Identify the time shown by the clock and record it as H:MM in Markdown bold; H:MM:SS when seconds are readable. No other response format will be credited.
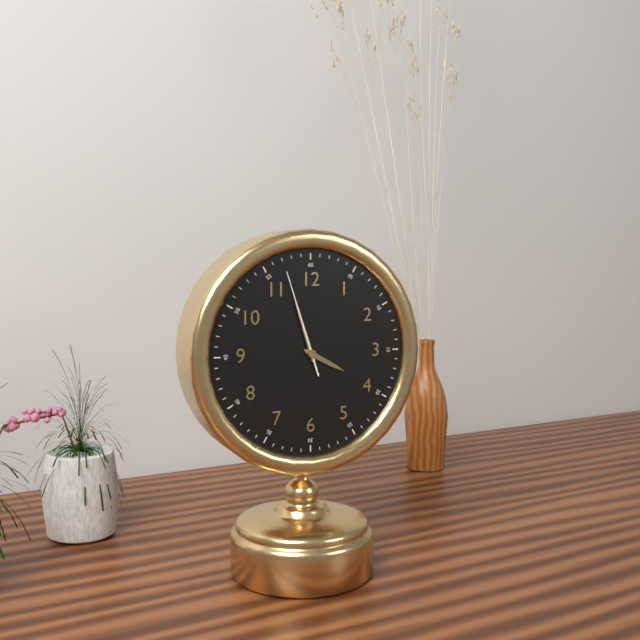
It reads **3:57:57**
